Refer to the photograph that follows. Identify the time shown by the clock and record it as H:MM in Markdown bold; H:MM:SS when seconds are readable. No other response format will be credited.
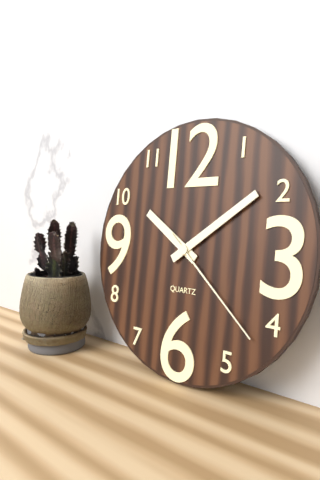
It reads **10:09:22**
